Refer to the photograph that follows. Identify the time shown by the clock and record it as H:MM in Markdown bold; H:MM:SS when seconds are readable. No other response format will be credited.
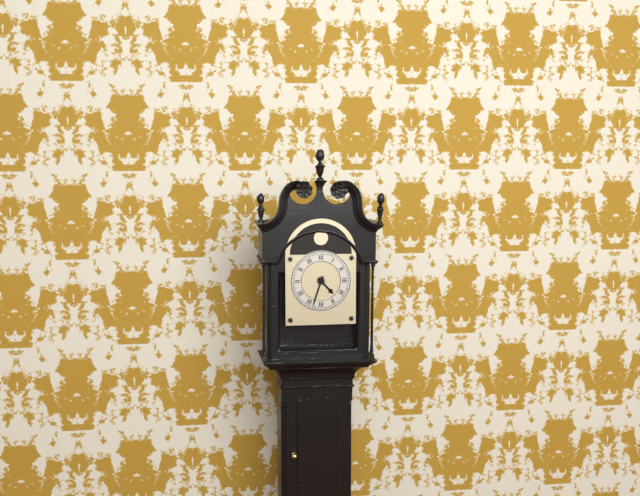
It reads **4:33**
